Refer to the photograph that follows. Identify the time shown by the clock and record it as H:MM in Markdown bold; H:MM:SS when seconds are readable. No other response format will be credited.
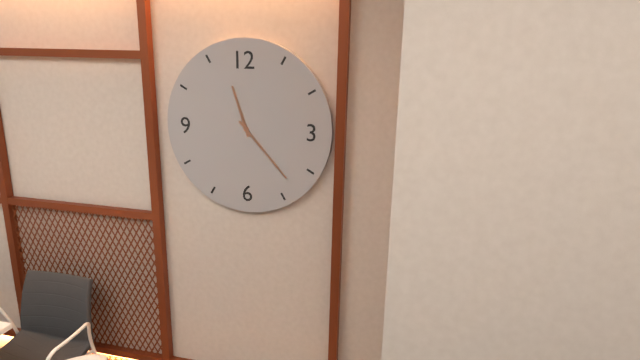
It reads **11:23**
